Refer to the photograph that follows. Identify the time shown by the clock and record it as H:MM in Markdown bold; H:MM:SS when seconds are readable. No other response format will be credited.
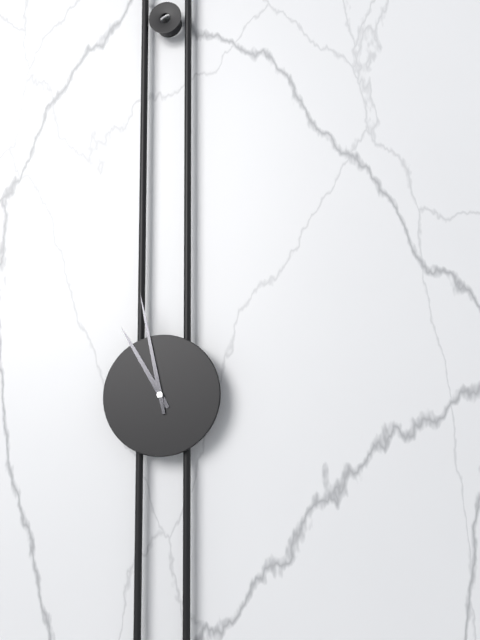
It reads **10:58**
